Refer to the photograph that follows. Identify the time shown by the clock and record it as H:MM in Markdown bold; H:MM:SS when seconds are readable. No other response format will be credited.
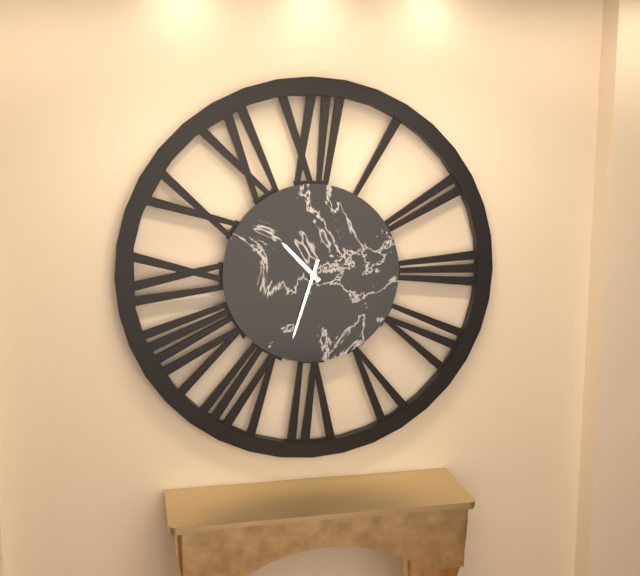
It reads **10:33**
